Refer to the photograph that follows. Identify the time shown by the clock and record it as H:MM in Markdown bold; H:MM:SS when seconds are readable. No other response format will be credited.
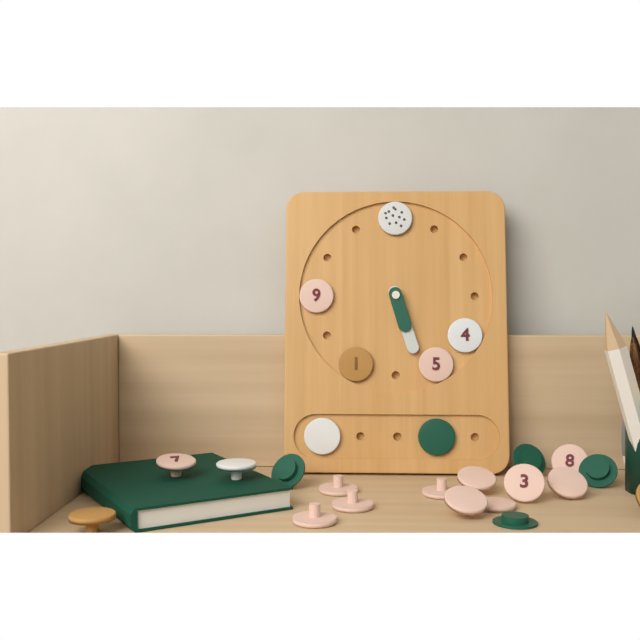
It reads **5:27**
